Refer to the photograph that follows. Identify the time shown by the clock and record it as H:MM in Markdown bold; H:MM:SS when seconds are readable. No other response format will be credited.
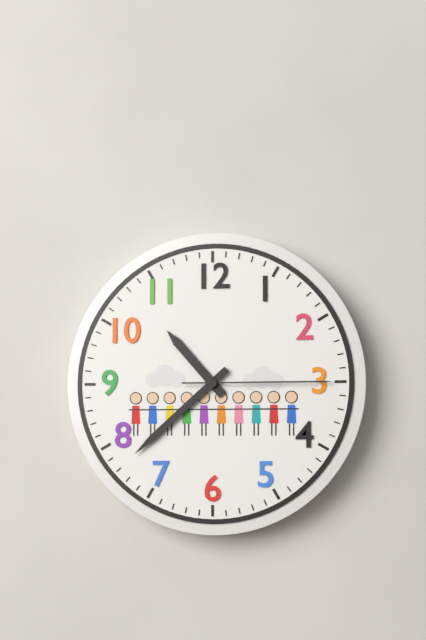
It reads **10:38:15**
